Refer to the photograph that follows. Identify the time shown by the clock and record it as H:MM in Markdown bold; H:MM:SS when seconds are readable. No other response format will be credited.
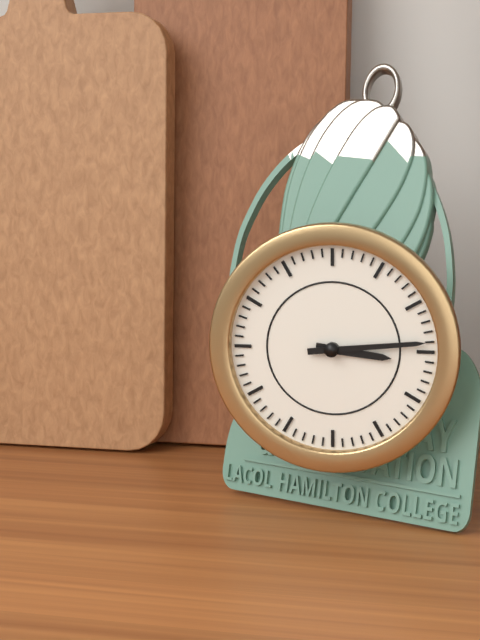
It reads **3:14**
